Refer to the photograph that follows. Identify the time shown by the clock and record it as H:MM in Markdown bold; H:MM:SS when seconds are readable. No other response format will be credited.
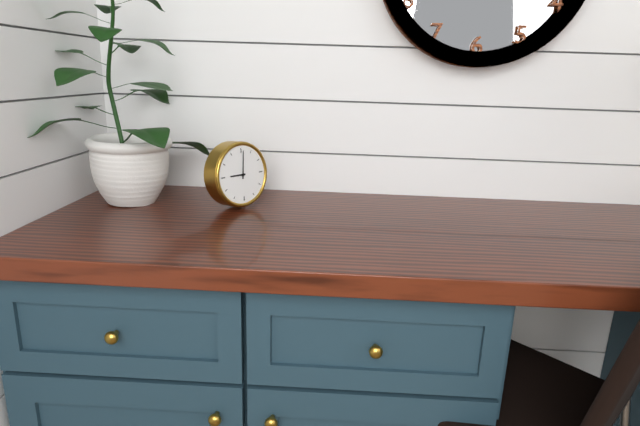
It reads **9:01**
